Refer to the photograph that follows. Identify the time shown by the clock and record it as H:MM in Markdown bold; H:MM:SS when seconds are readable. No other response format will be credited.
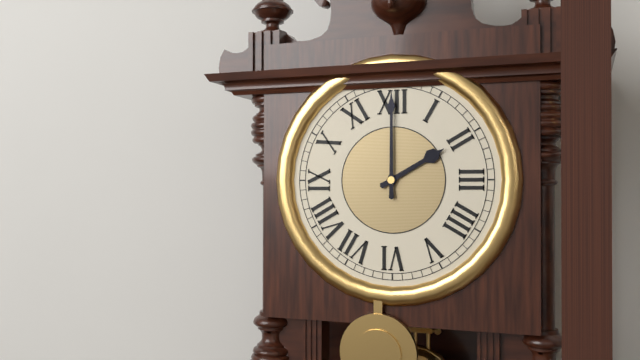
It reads **2:00**
